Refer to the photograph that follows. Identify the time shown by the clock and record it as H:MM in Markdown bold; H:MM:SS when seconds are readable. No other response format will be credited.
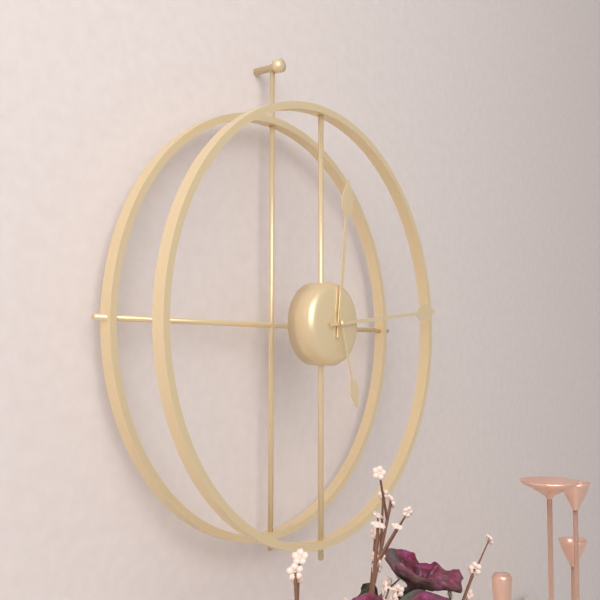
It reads **12:14:27**
